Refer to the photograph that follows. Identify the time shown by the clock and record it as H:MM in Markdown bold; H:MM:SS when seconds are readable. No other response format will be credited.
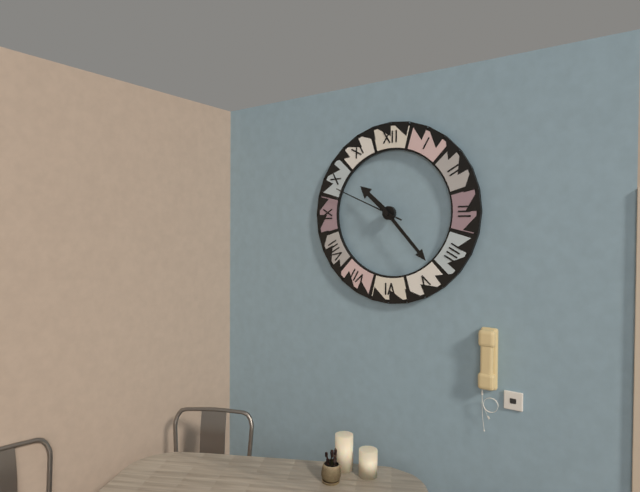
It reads **10:23:49**
